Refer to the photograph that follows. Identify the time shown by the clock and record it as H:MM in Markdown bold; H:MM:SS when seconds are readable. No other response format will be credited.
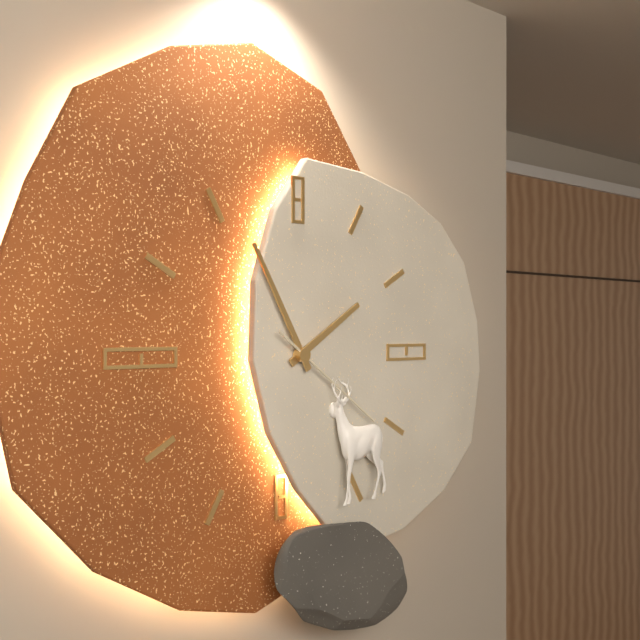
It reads **1:55:21**
